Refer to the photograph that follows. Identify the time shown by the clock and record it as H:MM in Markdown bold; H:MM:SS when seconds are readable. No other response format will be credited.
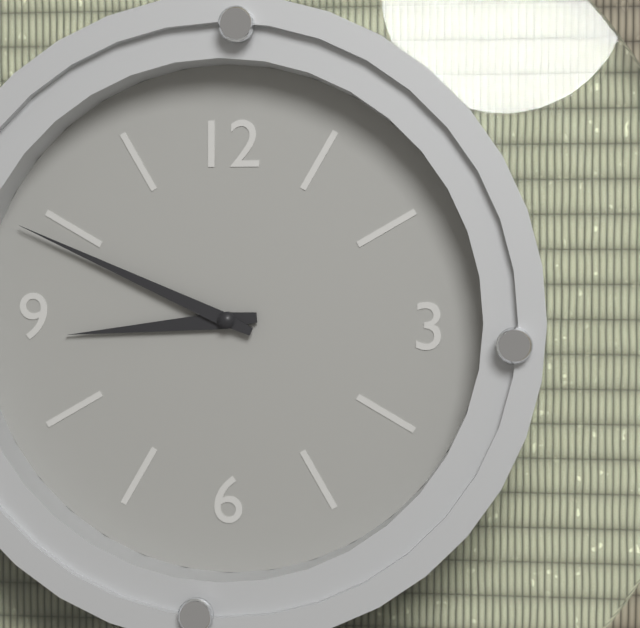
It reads **8:49**
